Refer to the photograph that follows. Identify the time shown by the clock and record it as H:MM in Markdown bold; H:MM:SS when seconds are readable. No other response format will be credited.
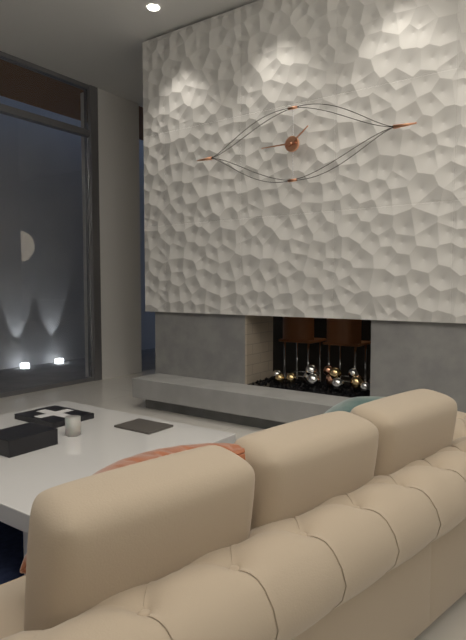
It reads **1:45**
